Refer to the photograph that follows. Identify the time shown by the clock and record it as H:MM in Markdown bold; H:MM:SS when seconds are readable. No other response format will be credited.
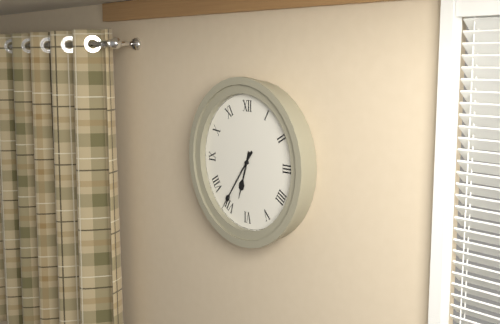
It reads **6:36**
